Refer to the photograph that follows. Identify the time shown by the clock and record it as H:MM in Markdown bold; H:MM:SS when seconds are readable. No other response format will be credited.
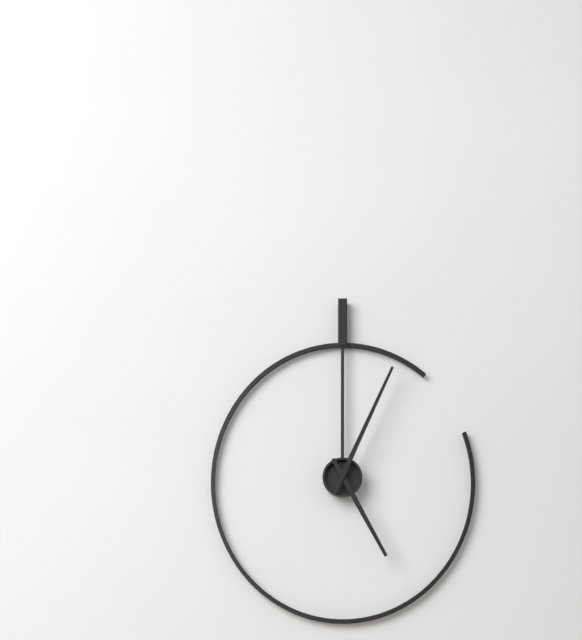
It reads **5:04**
